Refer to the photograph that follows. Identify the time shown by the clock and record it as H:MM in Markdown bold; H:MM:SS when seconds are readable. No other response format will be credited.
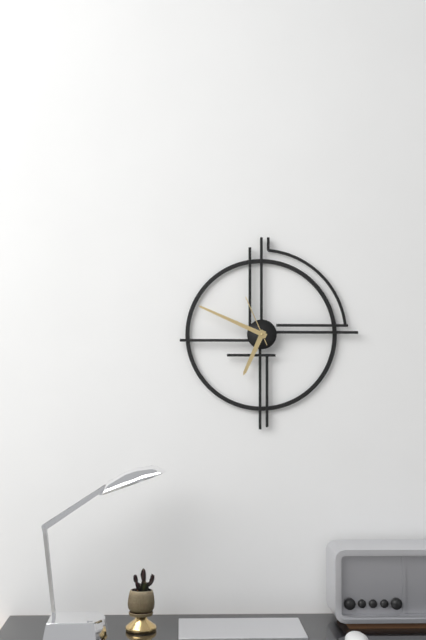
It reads **6:49:56**
